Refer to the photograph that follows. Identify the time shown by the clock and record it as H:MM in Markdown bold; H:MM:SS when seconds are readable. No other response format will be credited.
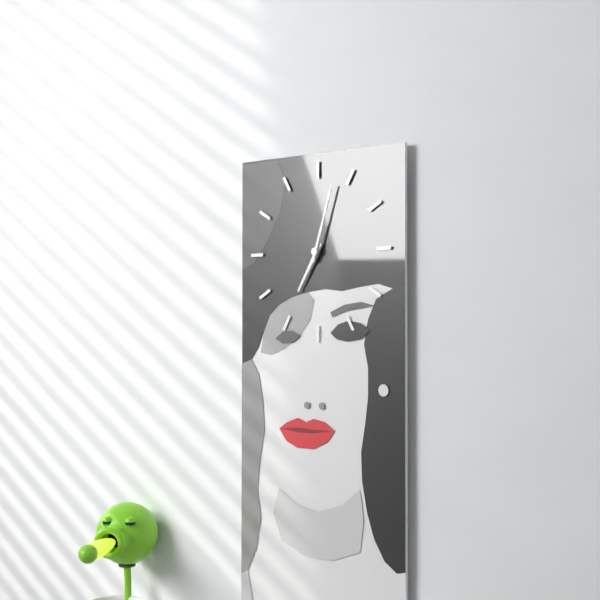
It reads **7:03**
